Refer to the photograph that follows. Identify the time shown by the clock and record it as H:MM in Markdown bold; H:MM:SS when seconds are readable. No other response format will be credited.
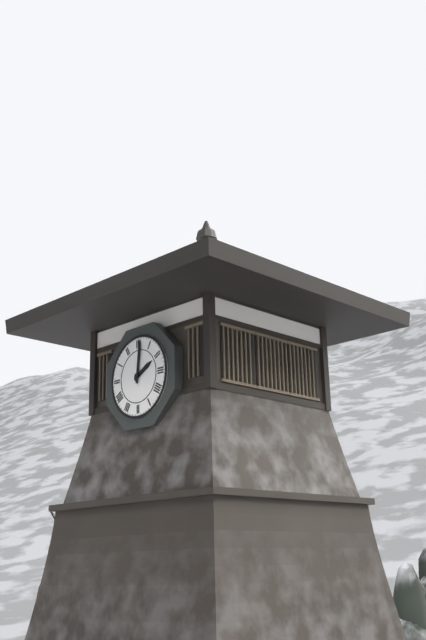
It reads **2:01**
